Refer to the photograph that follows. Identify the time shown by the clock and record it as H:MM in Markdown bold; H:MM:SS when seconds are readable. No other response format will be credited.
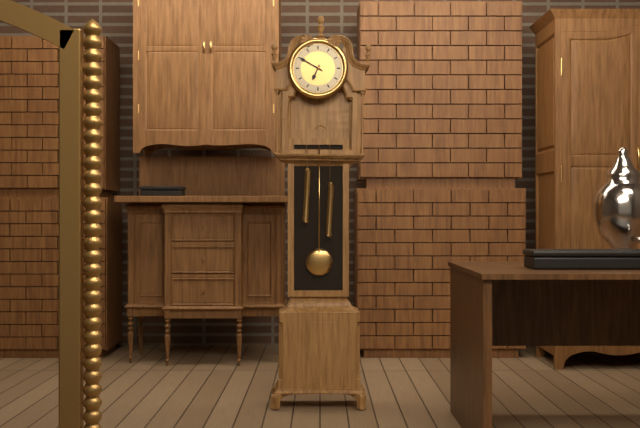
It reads **6:50**
